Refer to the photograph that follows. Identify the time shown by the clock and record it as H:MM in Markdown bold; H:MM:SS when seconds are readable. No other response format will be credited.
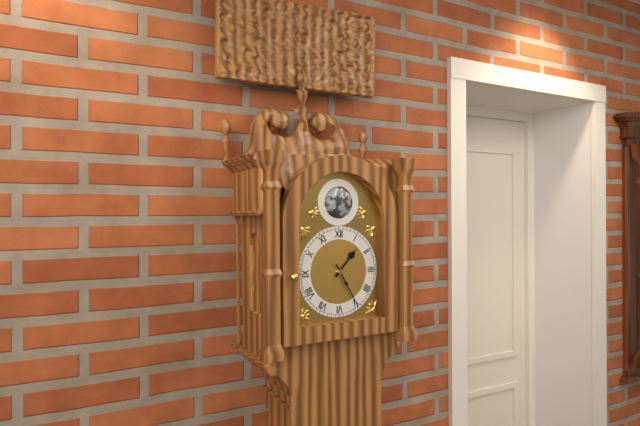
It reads **1:25**
